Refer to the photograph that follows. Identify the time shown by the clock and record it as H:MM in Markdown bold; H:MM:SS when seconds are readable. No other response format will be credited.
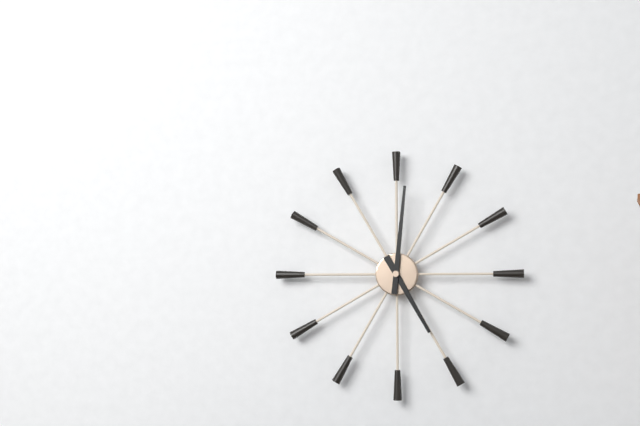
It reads **5:01**
